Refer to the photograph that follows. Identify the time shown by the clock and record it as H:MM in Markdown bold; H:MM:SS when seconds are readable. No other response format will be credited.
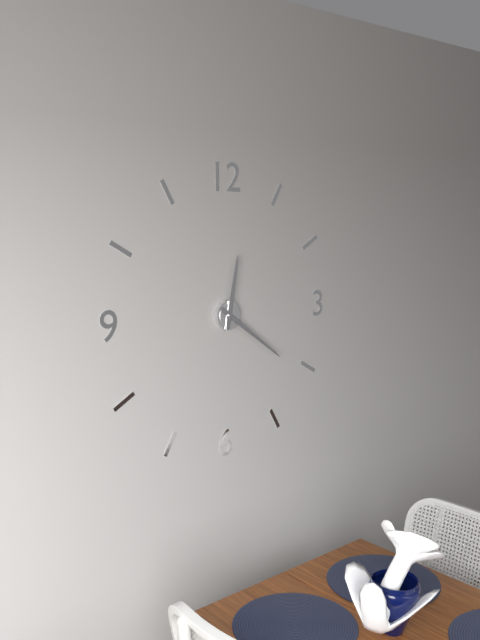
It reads **12:21**
